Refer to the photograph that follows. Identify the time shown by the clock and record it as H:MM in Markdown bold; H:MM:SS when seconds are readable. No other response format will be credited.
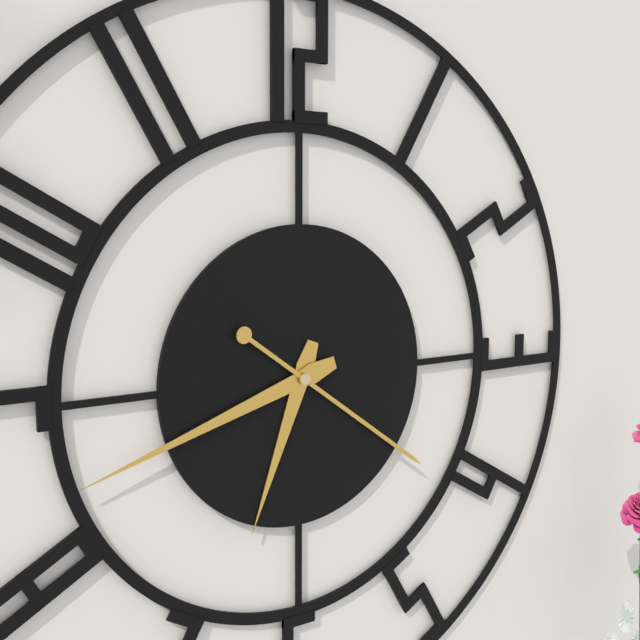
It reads **6:42:21**
